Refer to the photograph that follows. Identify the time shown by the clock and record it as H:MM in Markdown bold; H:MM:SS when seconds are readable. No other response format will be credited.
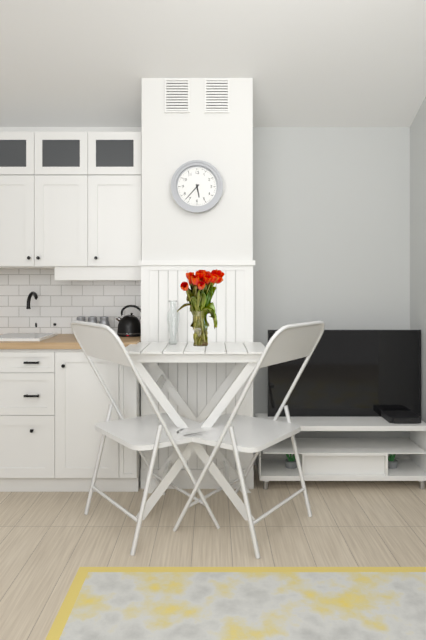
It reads **5:37**
